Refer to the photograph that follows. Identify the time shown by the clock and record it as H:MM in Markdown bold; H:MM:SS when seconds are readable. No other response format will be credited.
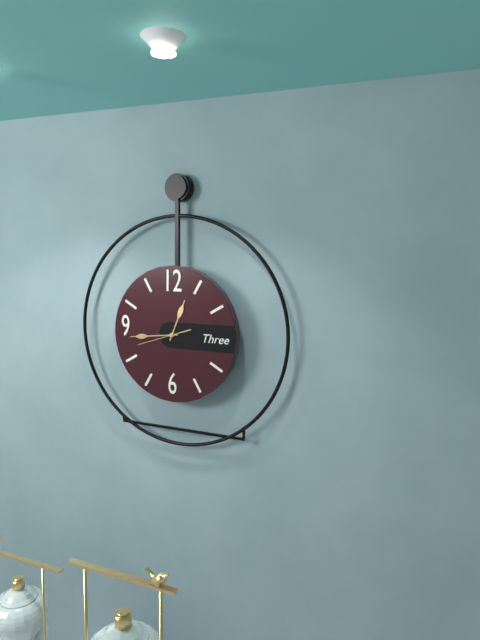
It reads **12:44:42**
